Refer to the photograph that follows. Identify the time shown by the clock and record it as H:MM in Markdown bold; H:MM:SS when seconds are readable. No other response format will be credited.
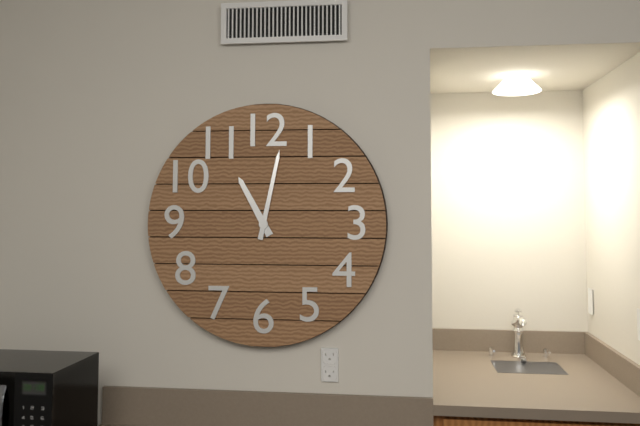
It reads **11:02**
